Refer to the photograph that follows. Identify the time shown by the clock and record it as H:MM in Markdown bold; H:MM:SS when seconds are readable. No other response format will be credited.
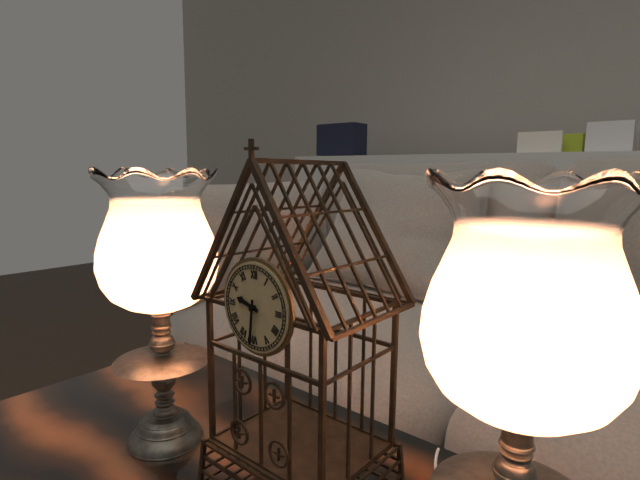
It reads **9:31**
